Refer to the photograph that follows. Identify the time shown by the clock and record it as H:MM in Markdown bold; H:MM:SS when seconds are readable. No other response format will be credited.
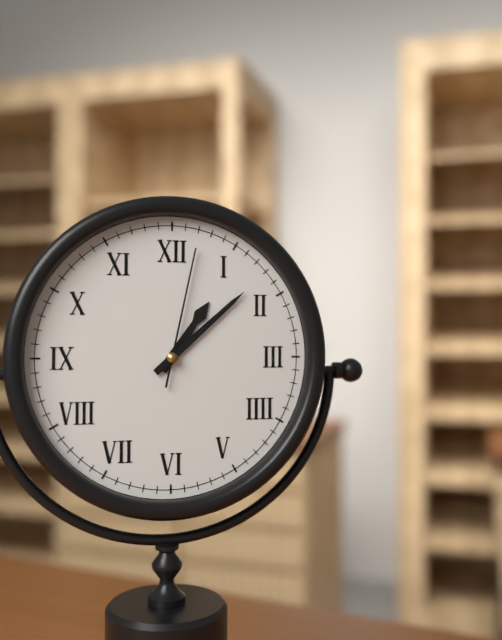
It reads **1:08:02**
